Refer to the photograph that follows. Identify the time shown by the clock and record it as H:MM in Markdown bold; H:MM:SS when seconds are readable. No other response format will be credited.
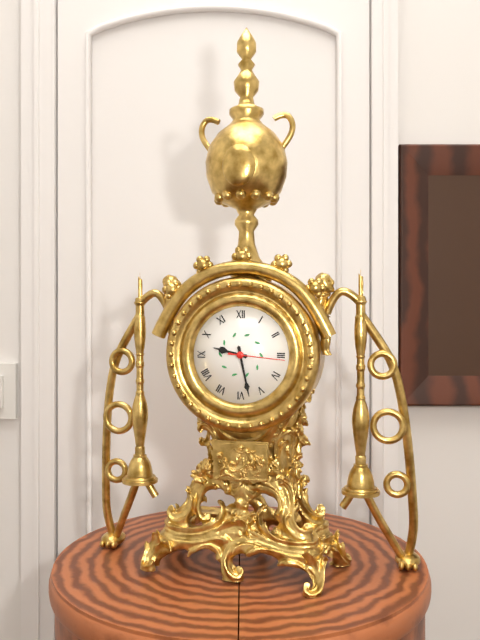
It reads **9:28:16**
